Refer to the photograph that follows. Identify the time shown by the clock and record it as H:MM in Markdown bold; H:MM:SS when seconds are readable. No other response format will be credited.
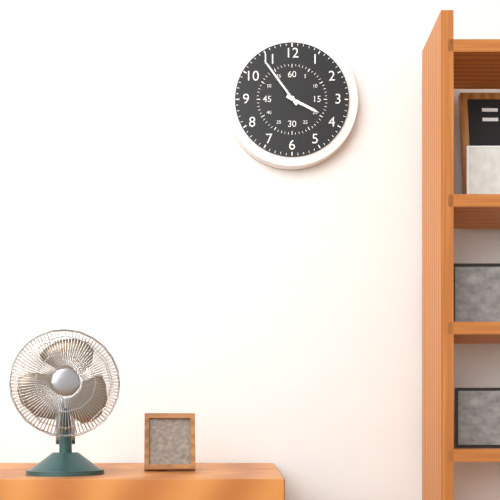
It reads **3:54**
